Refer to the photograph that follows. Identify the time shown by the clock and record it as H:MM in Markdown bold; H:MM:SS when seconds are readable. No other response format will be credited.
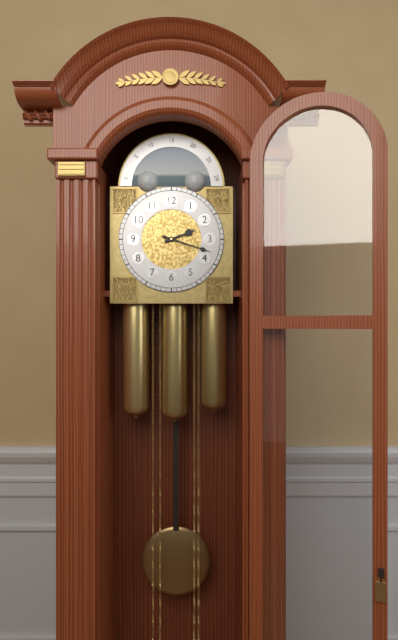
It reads **2:18**
